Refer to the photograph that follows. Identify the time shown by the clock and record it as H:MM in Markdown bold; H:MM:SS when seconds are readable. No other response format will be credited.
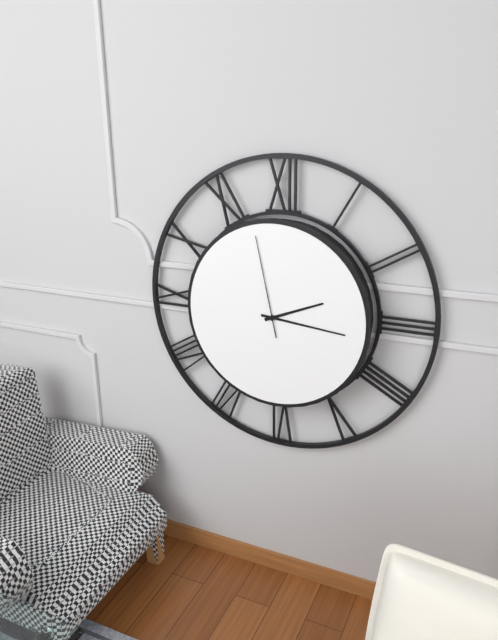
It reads **2:16:58**
